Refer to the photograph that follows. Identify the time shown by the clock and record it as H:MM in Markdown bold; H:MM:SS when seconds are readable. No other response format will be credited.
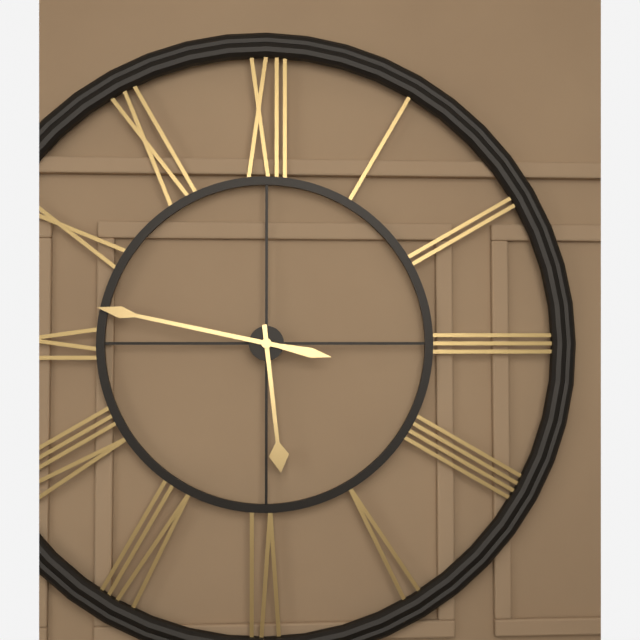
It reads **5:47**
